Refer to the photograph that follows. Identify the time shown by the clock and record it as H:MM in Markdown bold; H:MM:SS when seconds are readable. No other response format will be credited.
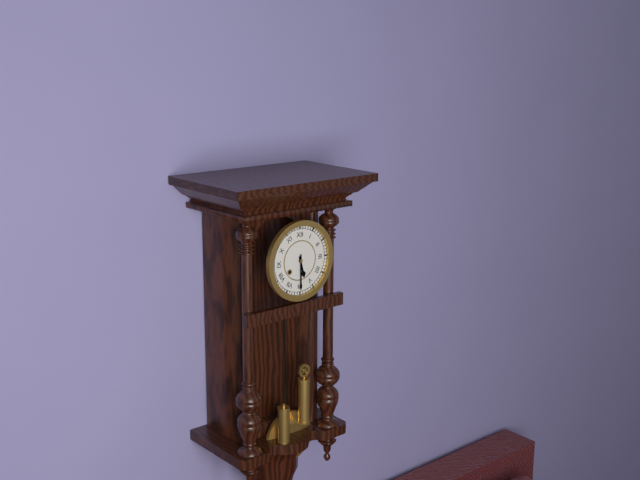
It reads **5:30**
